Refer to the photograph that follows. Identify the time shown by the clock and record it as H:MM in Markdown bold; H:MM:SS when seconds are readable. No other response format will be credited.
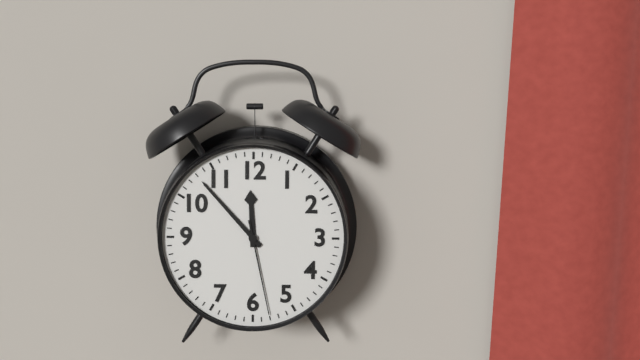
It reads **11:53:28**
